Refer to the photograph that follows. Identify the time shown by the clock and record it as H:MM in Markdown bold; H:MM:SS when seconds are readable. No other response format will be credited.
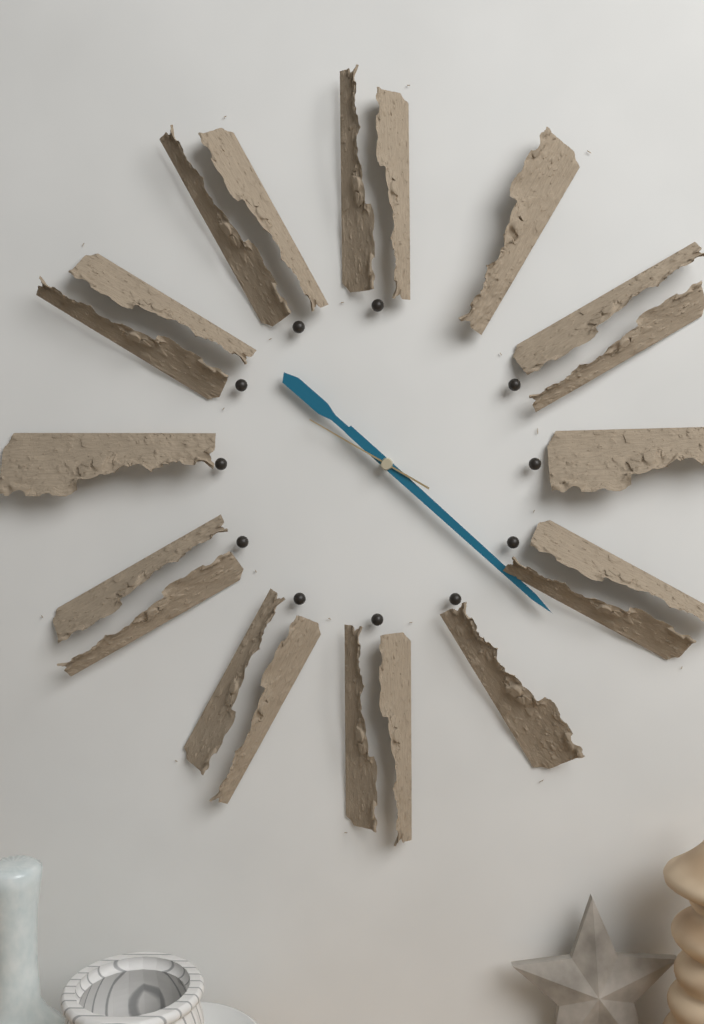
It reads **10:22:50**
